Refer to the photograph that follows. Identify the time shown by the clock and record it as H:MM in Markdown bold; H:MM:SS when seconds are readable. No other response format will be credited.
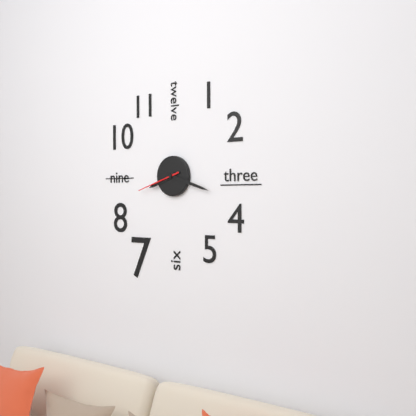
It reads **8:18**
